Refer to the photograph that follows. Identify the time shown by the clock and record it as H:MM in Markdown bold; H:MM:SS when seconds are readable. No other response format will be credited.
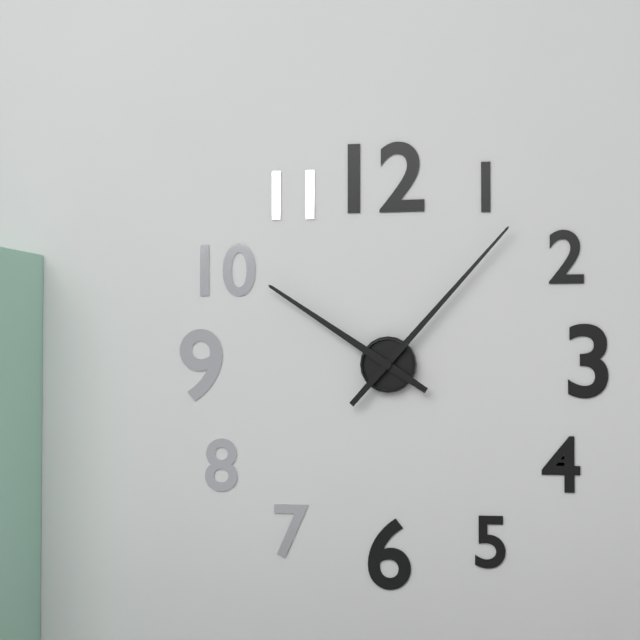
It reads **10:07**
